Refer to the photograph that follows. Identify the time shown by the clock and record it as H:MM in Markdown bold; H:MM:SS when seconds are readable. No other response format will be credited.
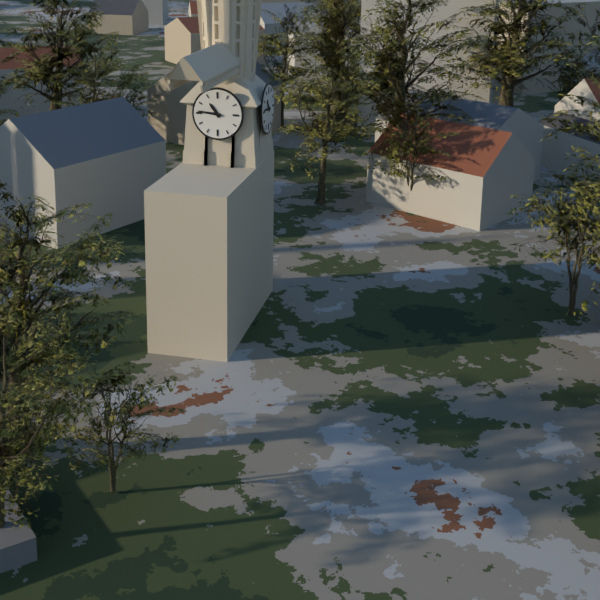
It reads **10:46**
